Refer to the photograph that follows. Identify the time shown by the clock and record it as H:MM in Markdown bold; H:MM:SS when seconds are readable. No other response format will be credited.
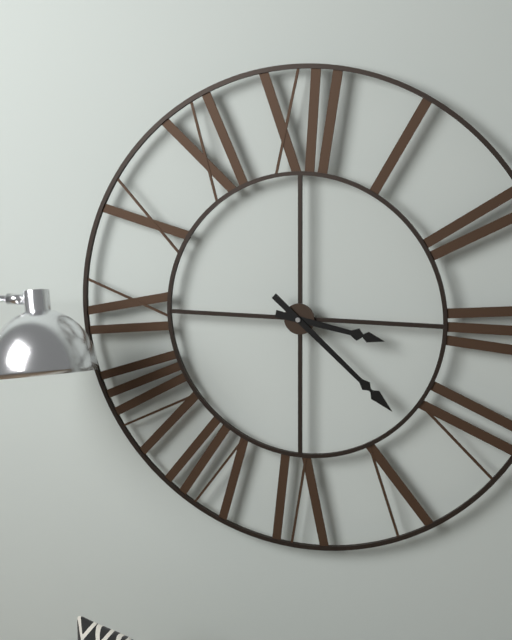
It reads **3:22**
